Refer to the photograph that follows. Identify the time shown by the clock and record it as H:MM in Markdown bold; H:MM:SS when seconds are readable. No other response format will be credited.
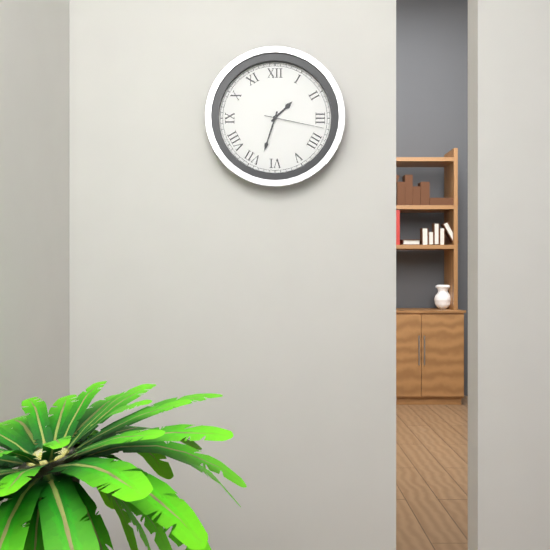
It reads **1:33:17**
